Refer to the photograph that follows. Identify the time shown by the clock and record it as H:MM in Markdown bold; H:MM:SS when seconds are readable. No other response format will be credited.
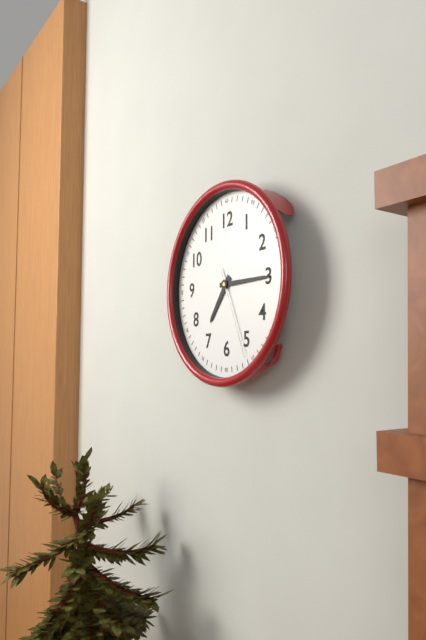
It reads **7:15:26**
